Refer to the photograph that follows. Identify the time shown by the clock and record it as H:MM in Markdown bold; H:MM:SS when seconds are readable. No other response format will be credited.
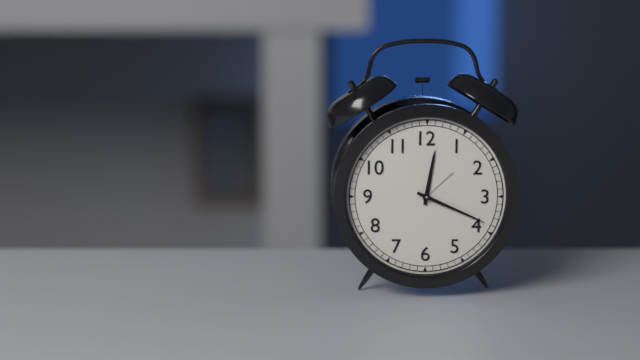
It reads **12:19**
